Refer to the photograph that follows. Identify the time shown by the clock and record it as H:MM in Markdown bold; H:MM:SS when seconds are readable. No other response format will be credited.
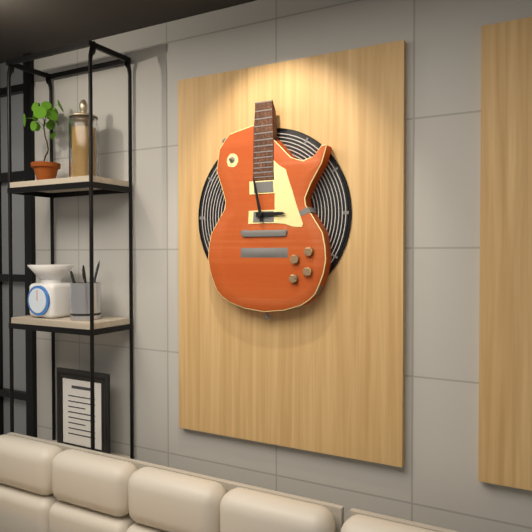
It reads **2:58**
